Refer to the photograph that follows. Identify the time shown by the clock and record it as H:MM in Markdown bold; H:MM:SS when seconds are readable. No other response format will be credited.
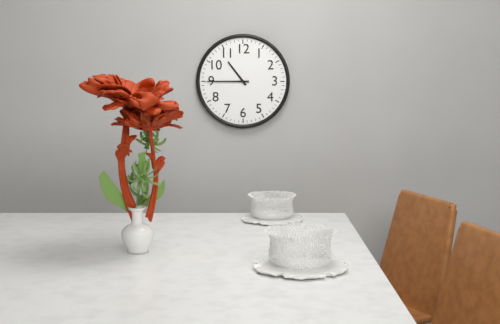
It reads **10:45**
